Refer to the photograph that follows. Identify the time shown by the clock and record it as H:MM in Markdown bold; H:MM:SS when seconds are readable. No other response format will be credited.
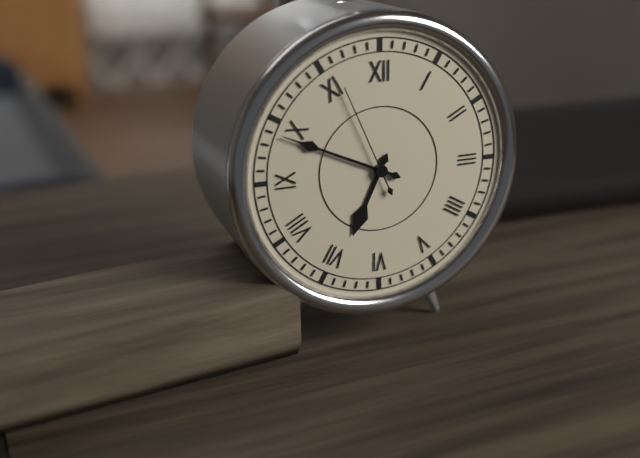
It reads **6:49:56**
